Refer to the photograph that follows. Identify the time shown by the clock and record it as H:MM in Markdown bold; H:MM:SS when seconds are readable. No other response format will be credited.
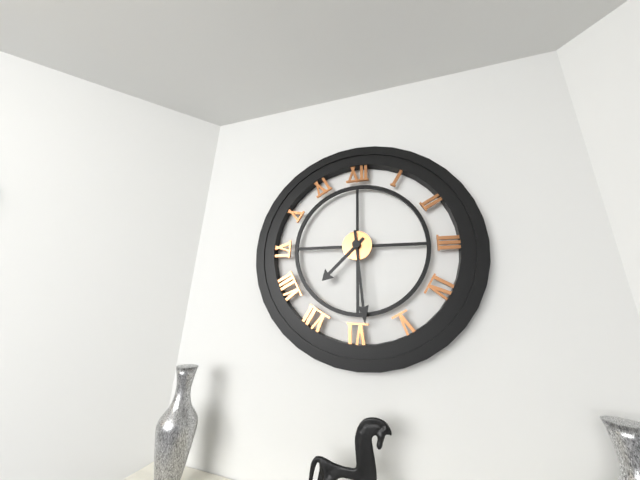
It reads **7:29**
